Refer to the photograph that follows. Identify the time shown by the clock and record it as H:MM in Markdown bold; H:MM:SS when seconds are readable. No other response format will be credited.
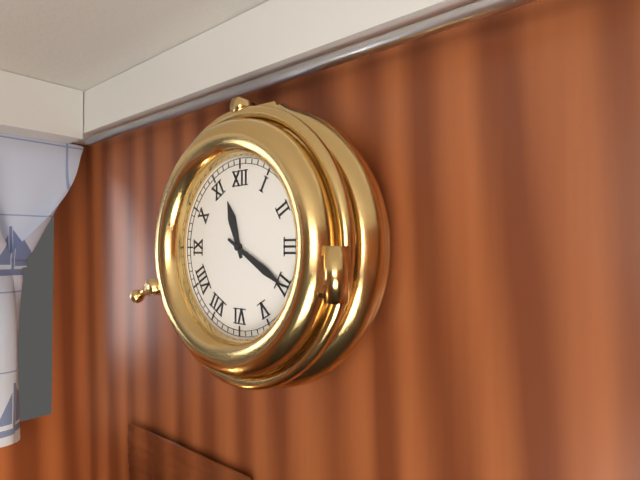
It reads **11:20**
